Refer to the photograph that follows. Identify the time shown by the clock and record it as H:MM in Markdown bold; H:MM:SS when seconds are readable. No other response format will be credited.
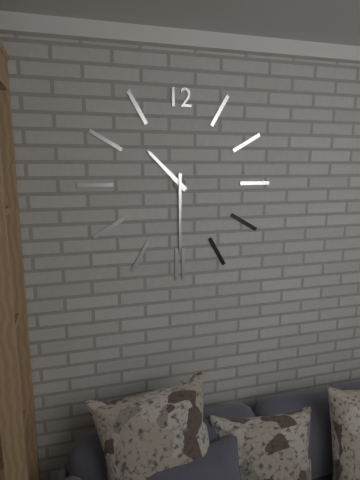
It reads **10:30**
